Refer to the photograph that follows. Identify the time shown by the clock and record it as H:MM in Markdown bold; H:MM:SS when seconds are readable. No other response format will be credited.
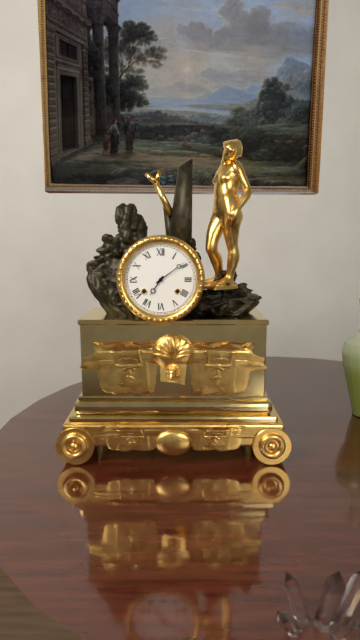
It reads **7:09**
